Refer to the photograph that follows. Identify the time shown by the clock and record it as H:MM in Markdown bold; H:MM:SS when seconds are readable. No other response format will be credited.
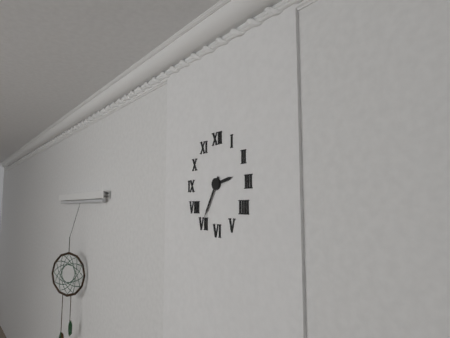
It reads **2:35**
